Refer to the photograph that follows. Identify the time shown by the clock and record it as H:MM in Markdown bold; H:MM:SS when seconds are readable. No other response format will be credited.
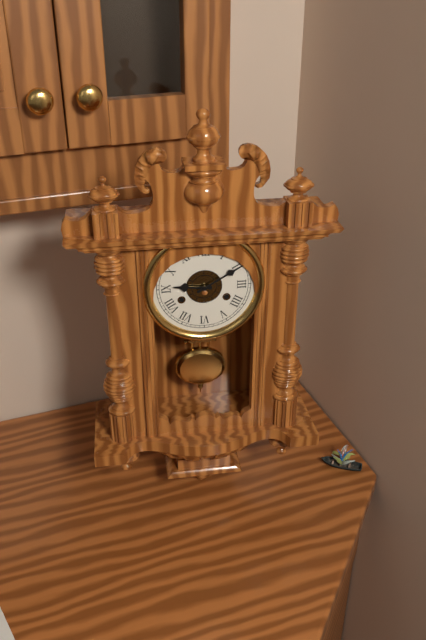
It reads **9:10**
